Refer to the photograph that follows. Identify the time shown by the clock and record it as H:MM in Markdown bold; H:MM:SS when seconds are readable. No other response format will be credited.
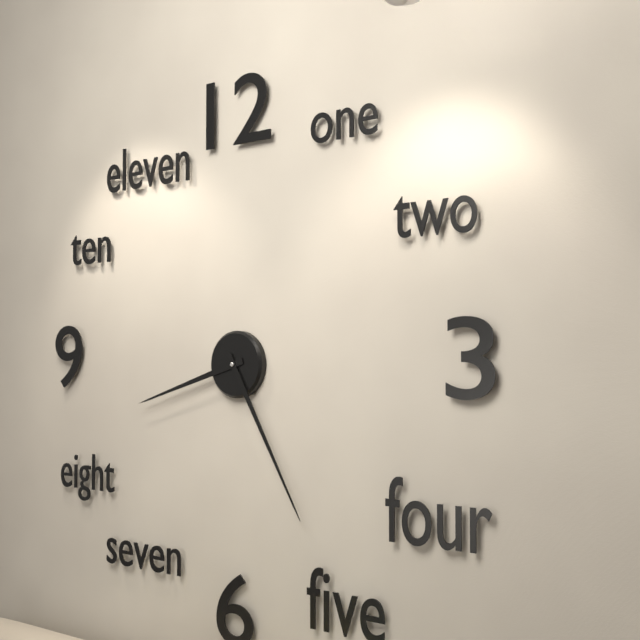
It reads **8:25**
